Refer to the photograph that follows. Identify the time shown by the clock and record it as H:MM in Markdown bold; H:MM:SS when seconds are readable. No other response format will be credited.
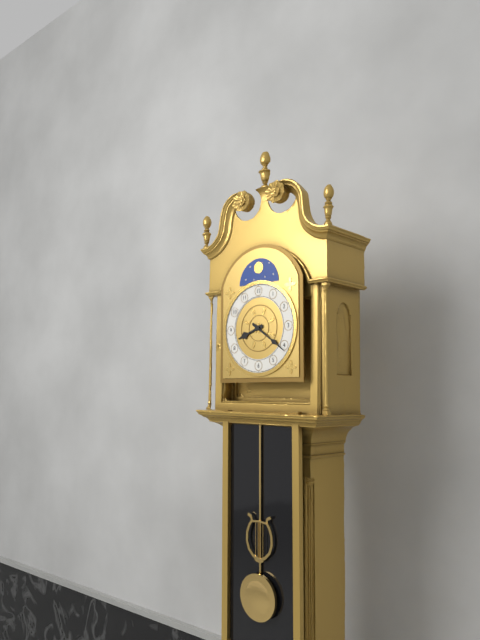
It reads **8:21**
